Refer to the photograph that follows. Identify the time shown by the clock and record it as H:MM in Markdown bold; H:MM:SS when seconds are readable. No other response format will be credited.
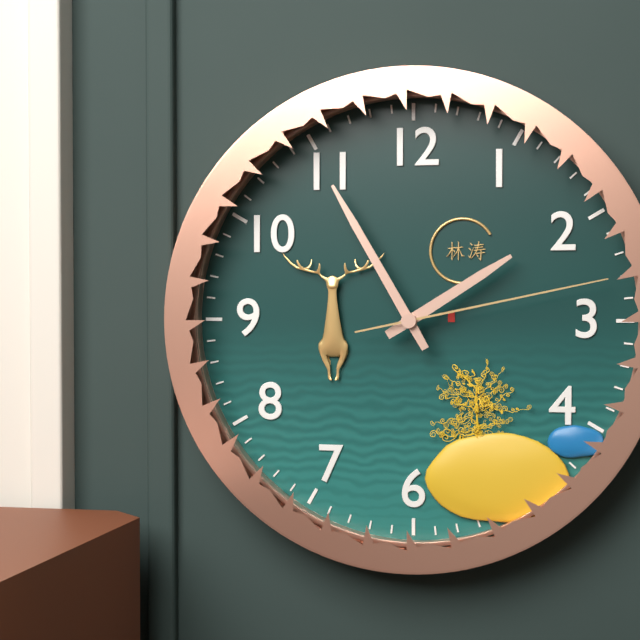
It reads **1:55:13**
